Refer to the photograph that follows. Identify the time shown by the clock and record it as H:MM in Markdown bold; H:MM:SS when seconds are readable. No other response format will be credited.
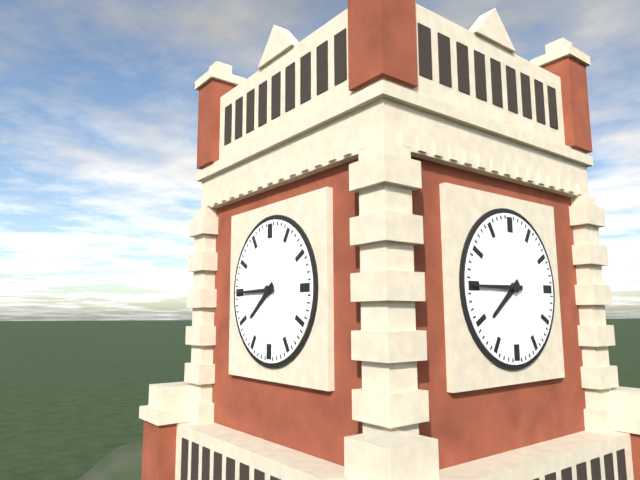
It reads **7:45**
